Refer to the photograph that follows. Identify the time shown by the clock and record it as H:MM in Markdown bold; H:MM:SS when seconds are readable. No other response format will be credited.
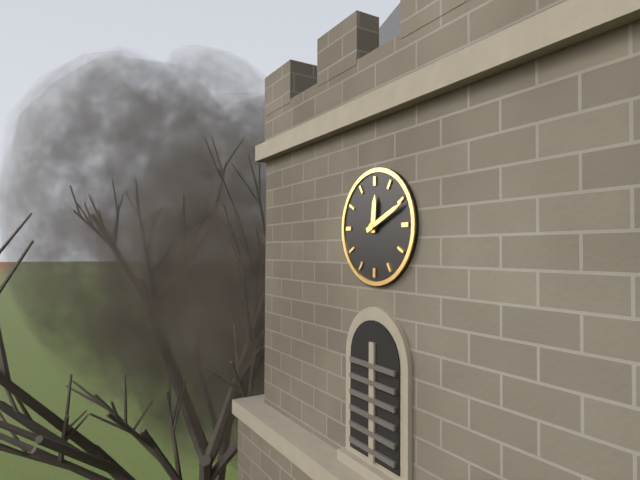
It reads **12:11**
